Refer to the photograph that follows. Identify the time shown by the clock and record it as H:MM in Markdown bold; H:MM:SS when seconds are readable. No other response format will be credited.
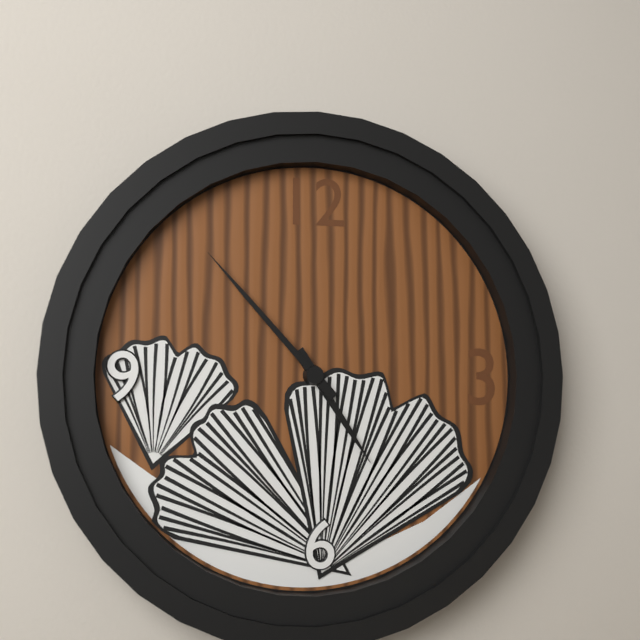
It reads **4:53**
